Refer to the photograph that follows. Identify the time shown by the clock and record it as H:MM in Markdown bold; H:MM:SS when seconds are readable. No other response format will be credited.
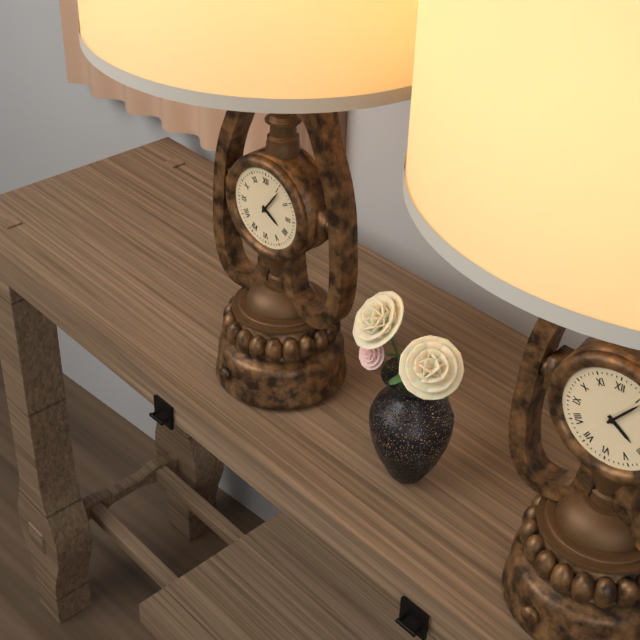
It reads **4:06**
